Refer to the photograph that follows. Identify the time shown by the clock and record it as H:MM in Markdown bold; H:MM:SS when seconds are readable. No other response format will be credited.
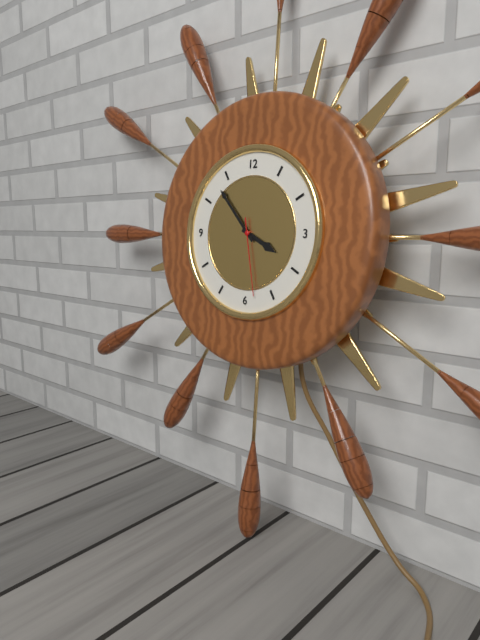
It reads **3:53:28**
